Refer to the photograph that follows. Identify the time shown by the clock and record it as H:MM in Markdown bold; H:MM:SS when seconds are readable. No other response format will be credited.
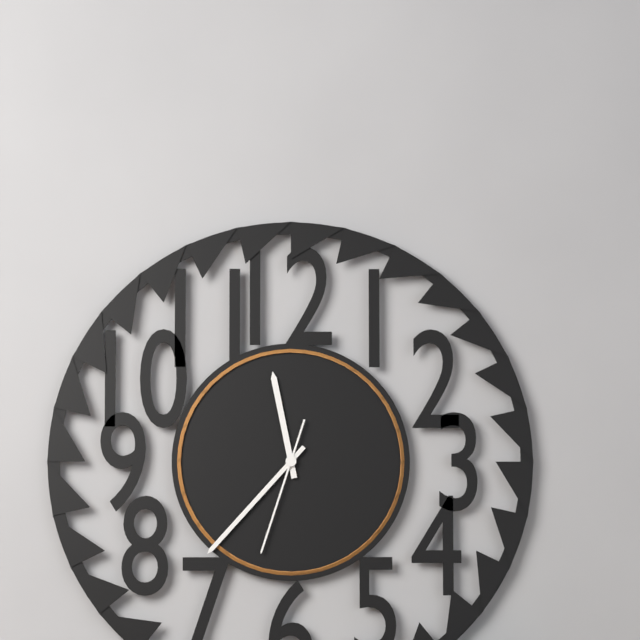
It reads **11:37:33**
